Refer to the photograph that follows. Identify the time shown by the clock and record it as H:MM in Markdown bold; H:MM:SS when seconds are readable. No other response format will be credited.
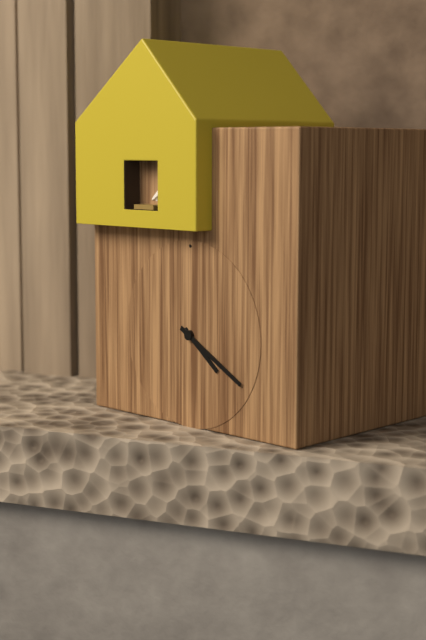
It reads **4:20**
